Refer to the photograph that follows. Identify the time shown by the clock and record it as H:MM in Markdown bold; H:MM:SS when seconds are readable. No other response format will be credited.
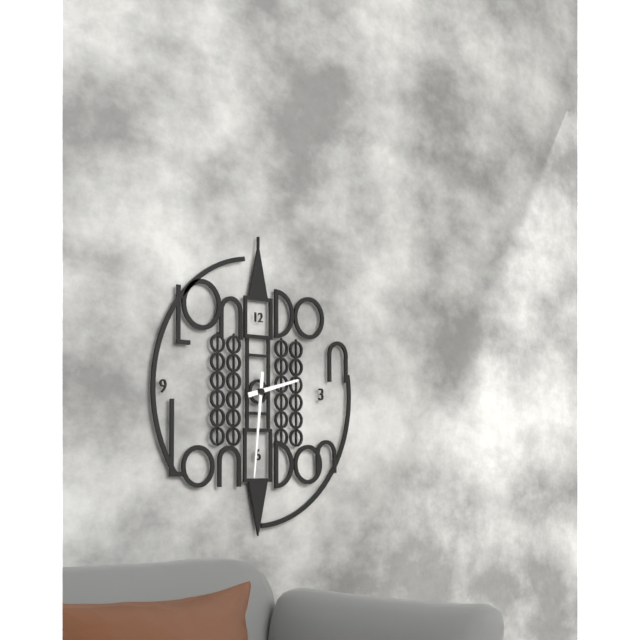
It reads **2:31**
